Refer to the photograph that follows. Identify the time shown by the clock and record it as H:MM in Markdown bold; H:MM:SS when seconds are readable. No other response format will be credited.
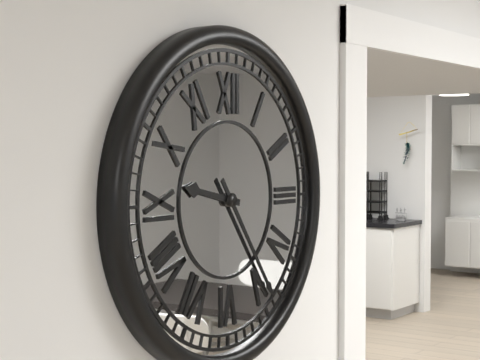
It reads **9:24**
